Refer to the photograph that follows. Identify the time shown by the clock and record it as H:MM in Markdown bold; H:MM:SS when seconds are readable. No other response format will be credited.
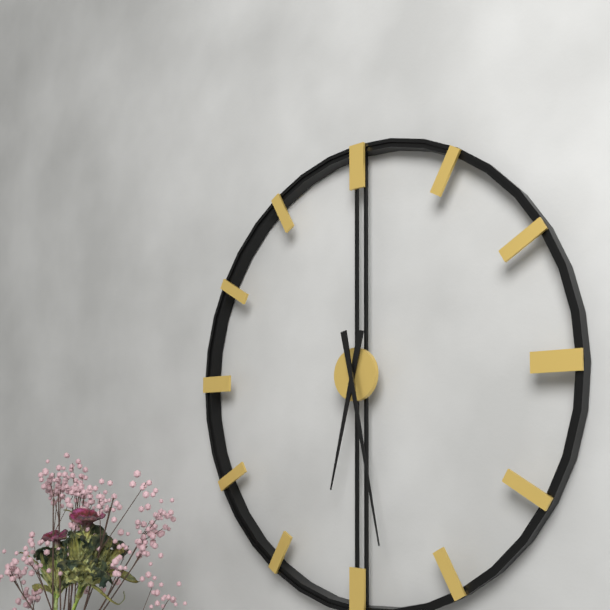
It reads **6:28**
